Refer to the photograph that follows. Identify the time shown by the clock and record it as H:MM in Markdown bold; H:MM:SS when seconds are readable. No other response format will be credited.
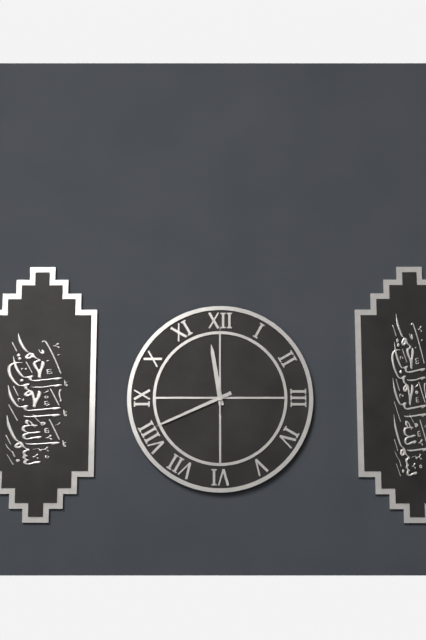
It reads **11:41:00**
